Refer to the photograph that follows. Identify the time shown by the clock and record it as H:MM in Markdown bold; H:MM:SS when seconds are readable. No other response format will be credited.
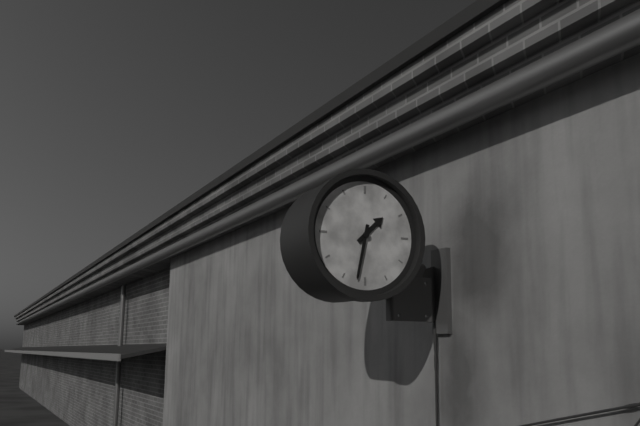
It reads **1:32**
